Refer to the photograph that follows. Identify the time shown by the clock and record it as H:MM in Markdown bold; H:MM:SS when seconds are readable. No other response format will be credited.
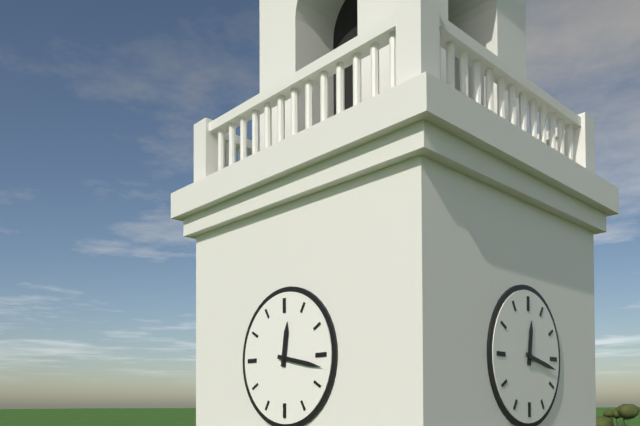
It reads **12:17**
